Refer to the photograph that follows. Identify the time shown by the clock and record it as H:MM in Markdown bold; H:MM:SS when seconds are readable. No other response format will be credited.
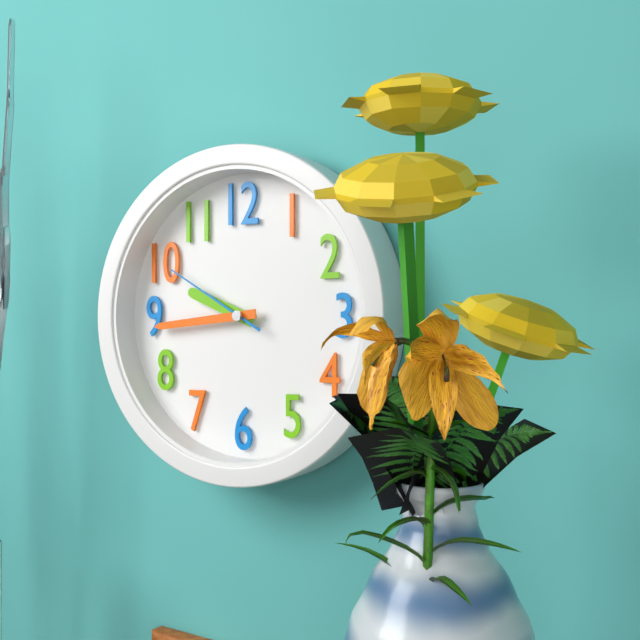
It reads **9:44:50**
